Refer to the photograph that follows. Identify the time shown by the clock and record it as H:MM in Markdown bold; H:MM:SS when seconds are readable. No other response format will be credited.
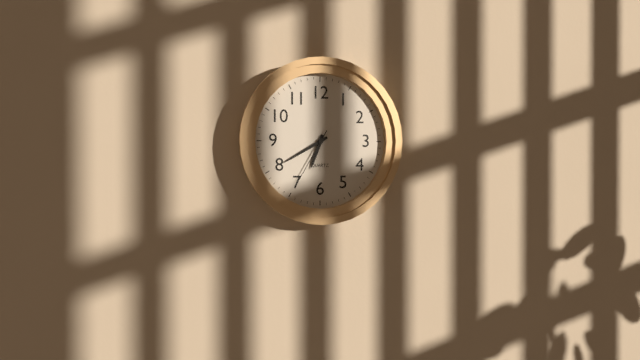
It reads **6:40:35**
